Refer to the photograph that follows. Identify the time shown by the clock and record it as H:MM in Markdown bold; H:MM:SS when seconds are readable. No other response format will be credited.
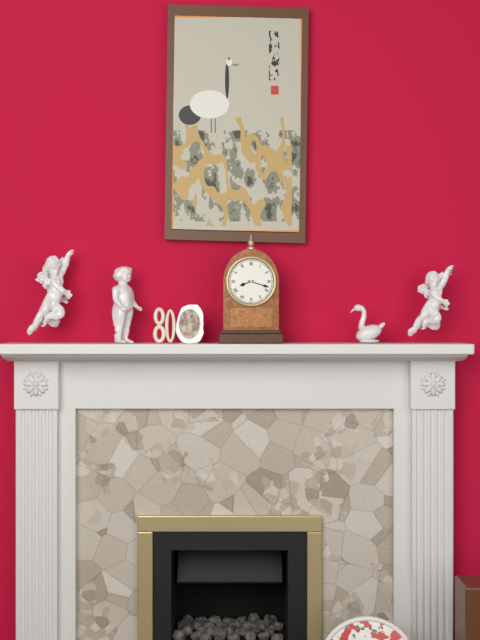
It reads **8:18**
